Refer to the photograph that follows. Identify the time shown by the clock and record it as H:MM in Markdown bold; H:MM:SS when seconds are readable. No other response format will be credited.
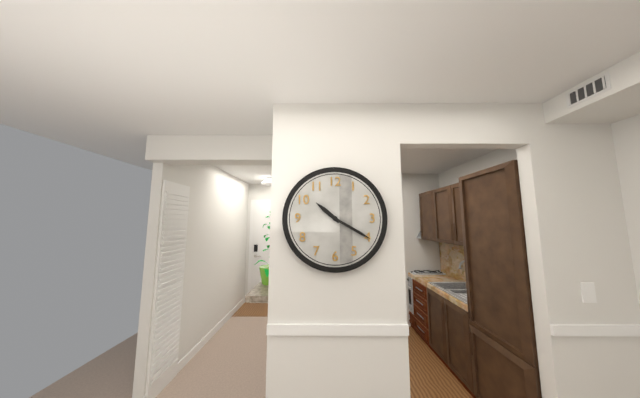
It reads **10:20**
